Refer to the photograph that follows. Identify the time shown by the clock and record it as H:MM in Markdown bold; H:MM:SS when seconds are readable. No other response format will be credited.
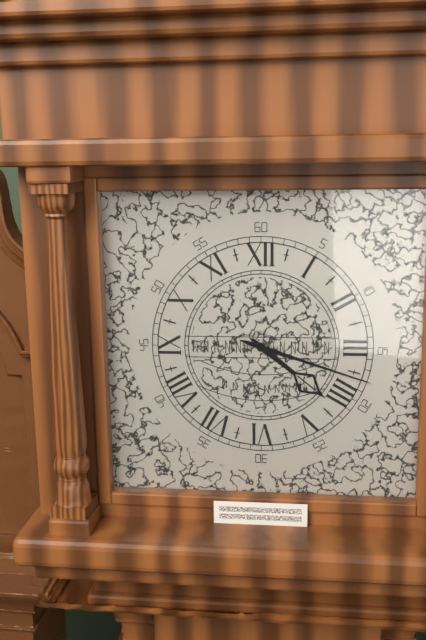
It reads **4:18**
